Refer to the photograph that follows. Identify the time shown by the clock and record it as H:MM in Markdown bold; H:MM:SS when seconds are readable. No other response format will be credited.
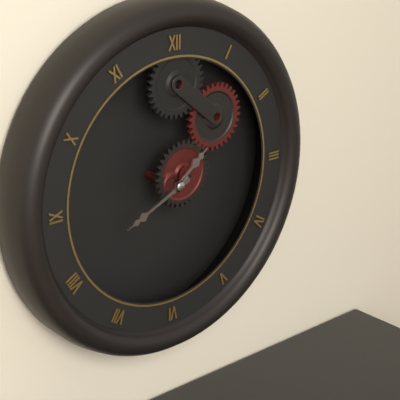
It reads **1:41**
